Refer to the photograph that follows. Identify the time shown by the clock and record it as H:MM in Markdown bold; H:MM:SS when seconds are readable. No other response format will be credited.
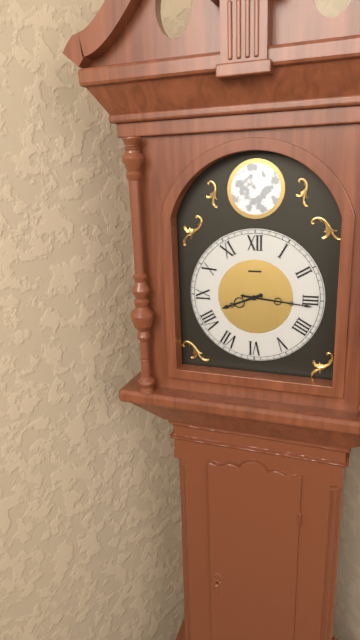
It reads **8:16**
